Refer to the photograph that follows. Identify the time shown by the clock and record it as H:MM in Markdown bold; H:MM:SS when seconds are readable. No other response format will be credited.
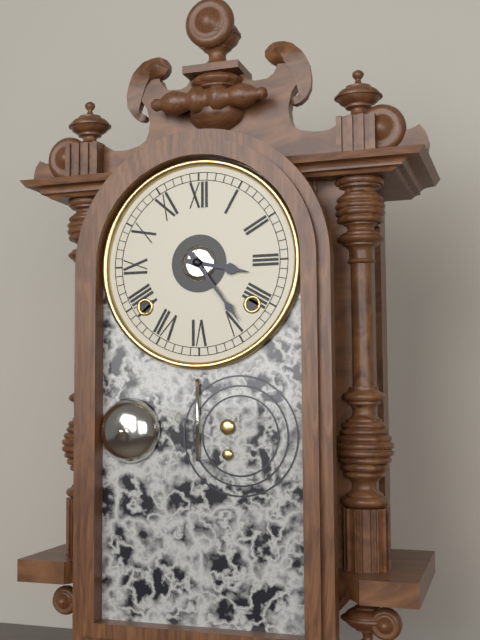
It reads **3:24**
